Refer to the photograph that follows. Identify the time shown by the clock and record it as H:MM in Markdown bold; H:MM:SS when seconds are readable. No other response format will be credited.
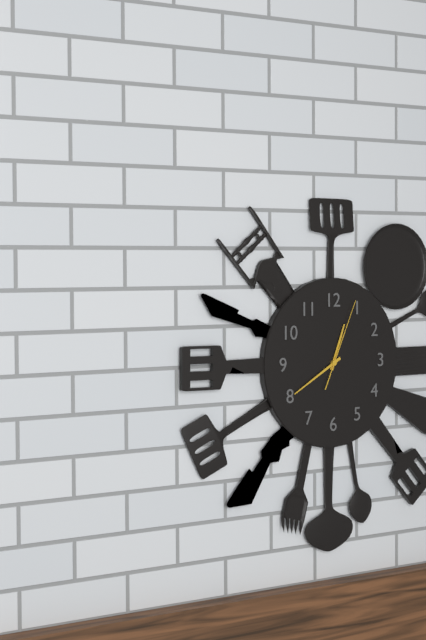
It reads **12:40:04**
